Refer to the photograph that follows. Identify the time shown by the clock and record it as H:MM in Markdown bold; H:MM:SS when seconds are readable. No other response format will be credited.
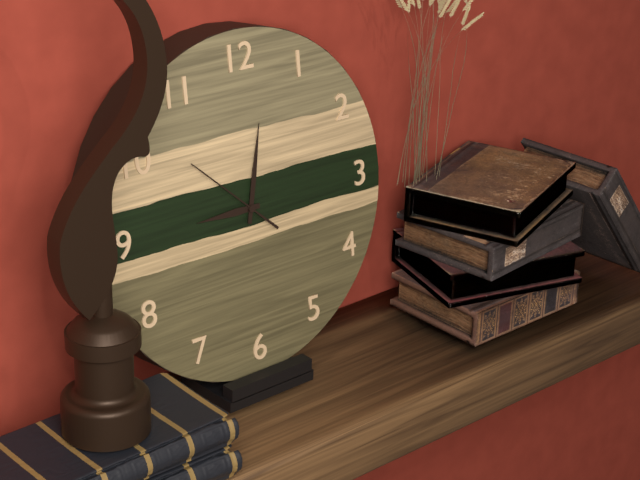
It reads **9:02:52**
